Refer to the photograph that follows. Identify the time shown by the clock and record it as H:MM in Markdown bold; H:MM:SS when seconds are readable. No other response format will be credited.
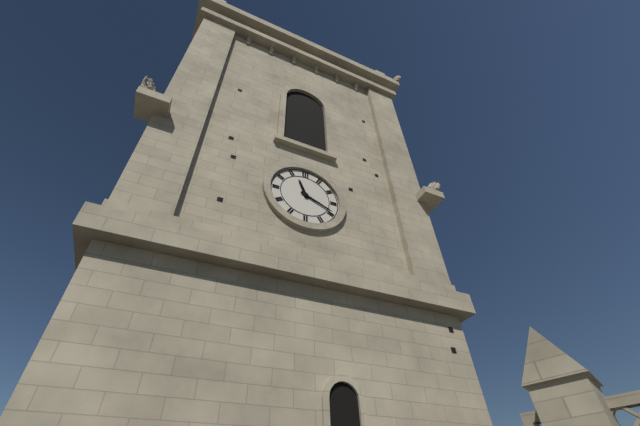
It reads **11:19**
